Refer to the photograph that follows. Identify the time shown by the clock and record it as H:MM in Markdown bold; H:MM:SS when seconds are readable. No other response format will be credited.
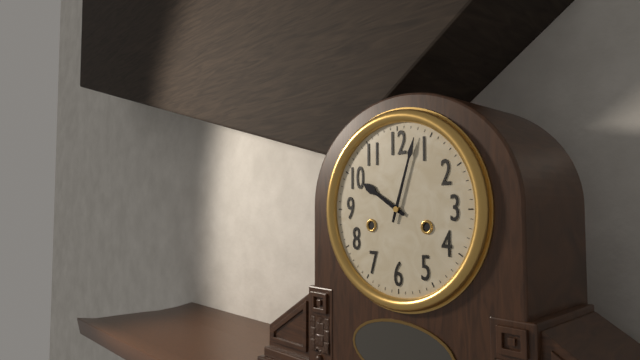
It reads **10:03**
